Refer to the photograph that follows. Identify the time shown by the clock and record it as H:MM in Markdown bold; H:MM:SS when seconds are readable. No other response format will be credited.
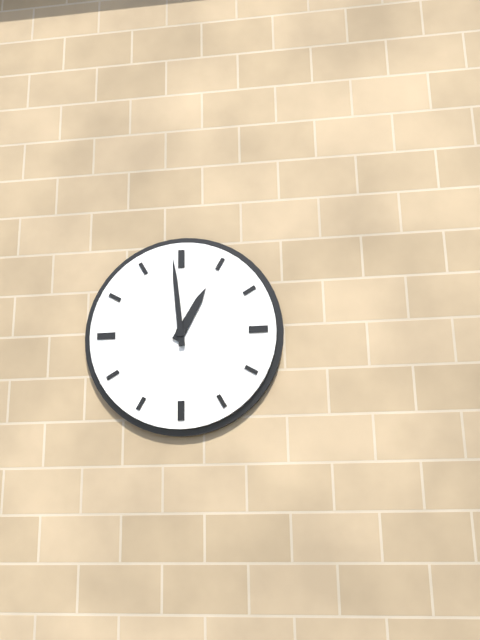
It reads **12:59**
